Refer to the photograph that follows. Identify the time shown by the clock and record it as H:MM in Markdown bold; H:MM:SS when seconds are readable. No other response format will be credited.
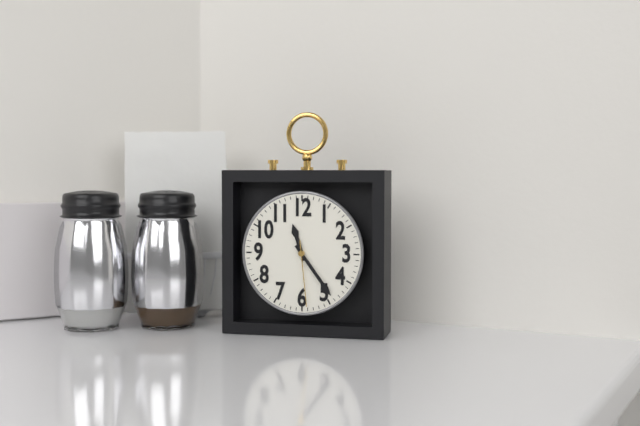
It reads **11:24:29**
